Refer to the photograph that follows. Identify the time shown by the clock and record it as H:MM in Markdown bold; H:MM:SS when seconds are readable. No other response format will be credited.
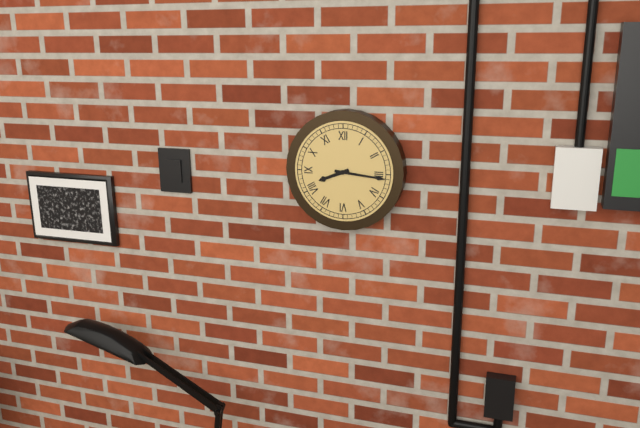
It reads **8:16**
